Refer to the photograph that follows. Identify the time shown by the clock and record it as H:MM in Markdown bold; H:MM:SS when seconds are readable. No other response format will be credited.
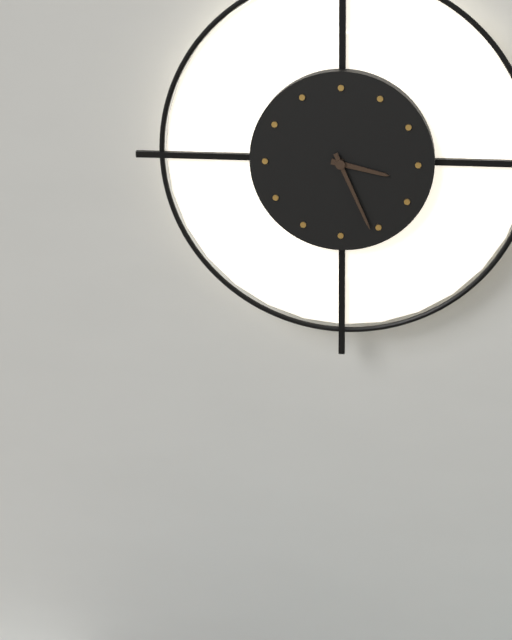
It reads **3:26**
